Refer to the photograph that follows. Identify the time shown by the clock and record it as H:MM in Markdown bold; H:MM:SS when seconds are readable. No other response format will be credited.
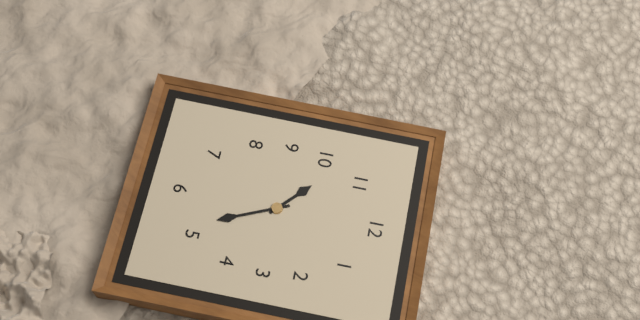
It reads **10:26**
